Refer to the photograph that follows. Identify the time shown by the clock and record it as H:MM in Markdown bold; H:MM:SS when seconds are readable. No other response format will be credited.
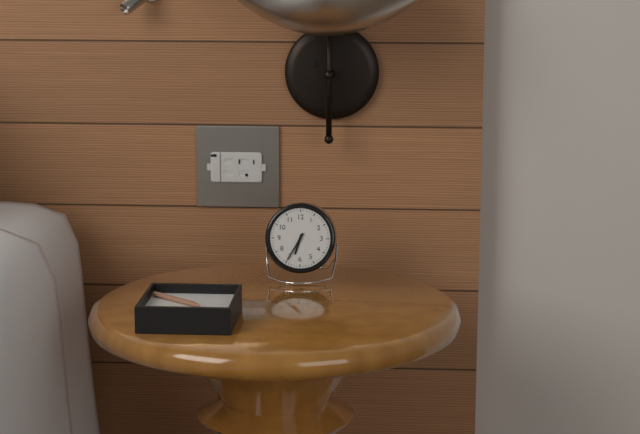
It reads **6:35**
